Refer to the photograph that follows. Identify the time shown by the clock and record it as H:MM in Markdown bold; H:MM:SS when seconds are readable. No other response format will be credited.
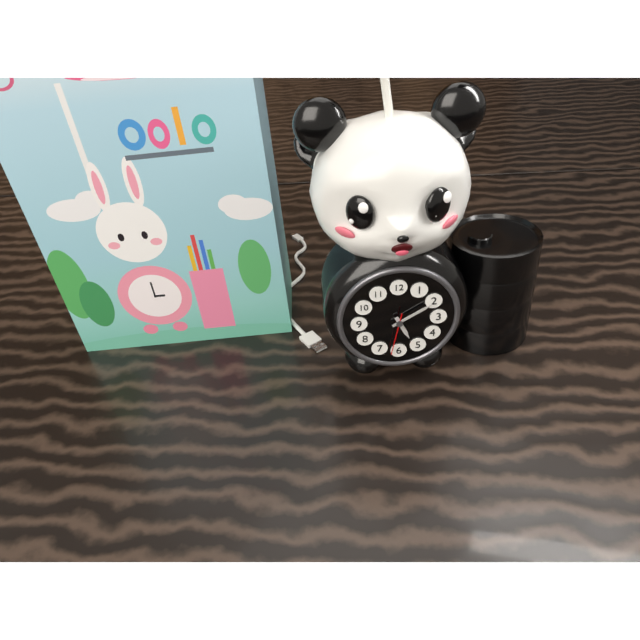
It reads **5:10**
